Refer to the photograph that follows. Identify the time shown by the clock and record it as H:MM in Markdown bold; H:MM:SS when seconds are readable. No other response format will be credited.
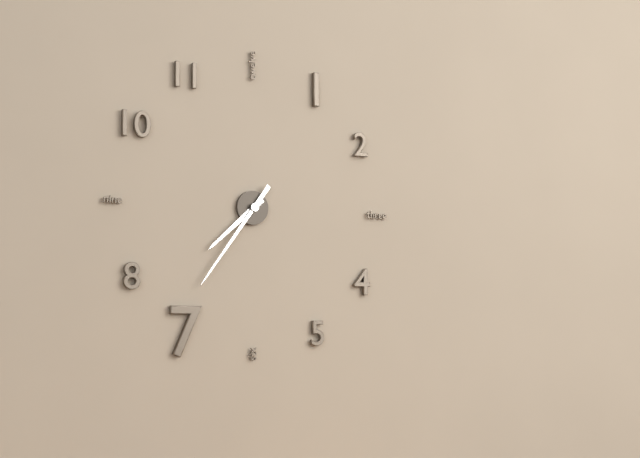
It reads **7:36**
